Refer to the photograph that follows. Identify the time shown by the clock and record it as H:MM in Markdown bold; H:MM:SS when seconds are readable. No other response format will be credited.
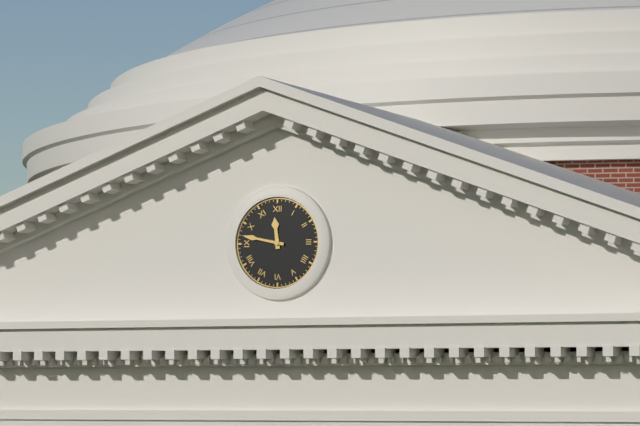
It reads **11:47**
